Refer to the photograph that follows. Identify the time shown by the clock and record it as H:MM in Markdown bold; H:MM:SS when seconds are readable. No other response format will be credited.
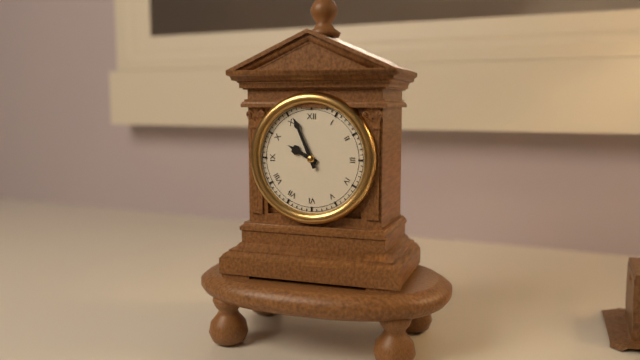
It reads **9:56**
